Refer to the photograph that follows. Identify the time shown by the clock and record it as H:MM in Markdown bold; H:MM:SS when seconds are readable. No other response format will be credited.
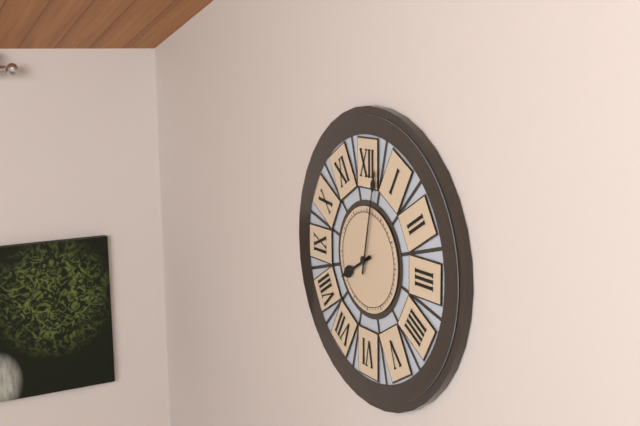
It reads **8:02**
